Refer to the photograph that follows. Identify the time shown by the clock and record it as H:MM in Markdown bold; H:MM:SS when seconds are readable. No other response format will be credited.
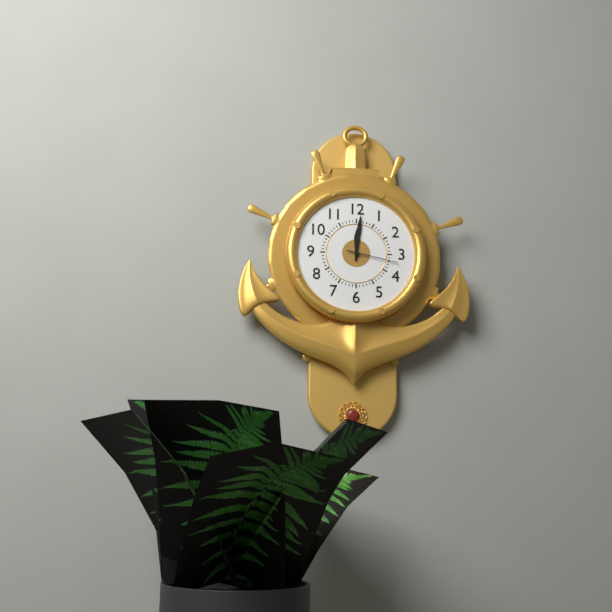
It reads **12:01:17**
